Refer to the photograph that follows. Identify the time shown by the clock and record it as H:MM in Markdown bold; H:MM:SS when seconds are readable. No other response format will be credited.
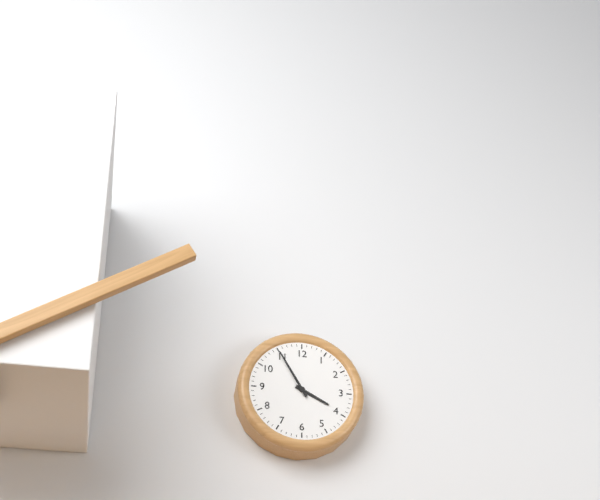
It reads **3:55**
